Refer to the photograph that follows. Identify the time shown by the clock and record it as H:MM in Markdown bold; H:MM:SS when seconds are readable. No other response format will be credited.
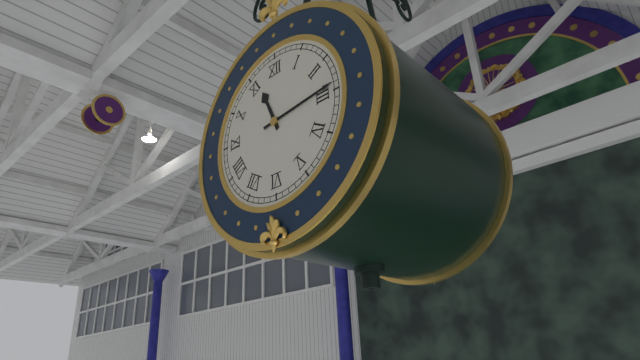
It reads **11:14**
